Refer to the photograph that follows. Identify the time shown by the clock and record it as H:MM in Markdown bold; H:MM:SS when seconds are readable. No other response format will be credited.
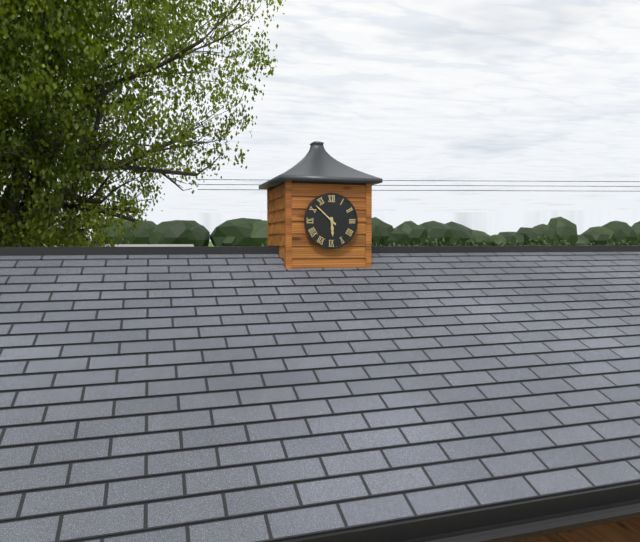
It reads **5:52**
